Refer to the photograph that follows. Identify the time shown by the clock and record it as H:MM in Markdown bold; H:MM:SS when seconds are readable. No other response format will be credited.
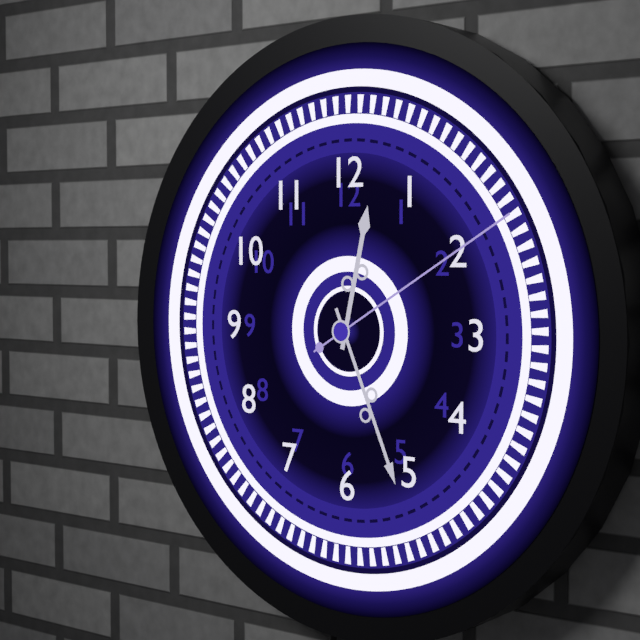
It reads **12:26:10**
